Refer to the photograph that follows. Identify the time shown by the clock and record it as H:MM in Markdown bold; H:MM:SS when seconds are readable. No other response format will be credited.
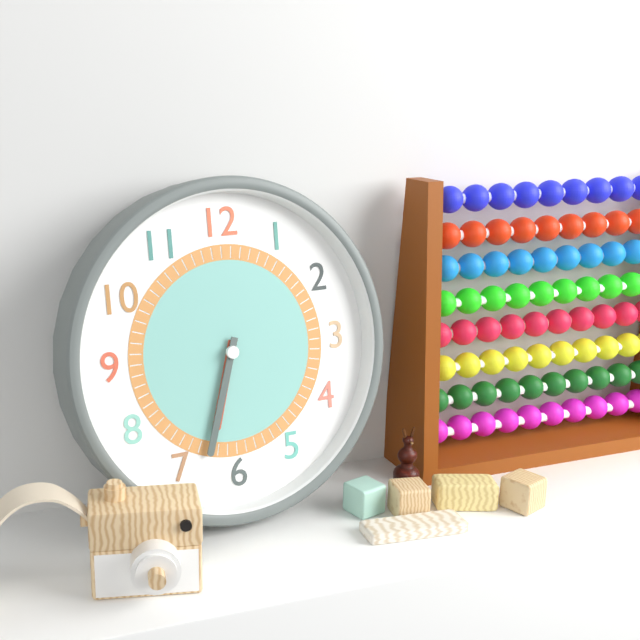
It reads **6:33**
